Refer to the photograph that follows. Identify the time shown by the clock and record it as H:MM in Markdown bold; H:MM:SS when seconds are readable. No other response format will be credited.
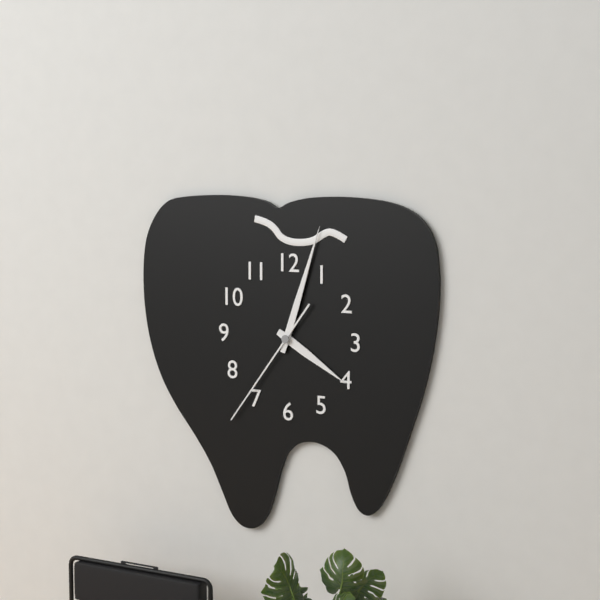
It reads **4:03:36**
